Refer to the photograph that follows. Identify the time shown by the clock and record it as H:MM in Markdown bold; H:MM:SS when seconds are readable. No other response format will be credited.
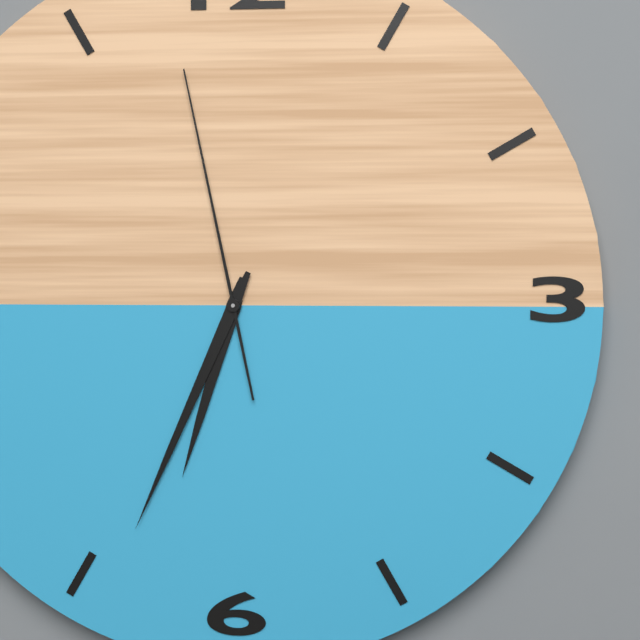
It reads **6:34:58**
